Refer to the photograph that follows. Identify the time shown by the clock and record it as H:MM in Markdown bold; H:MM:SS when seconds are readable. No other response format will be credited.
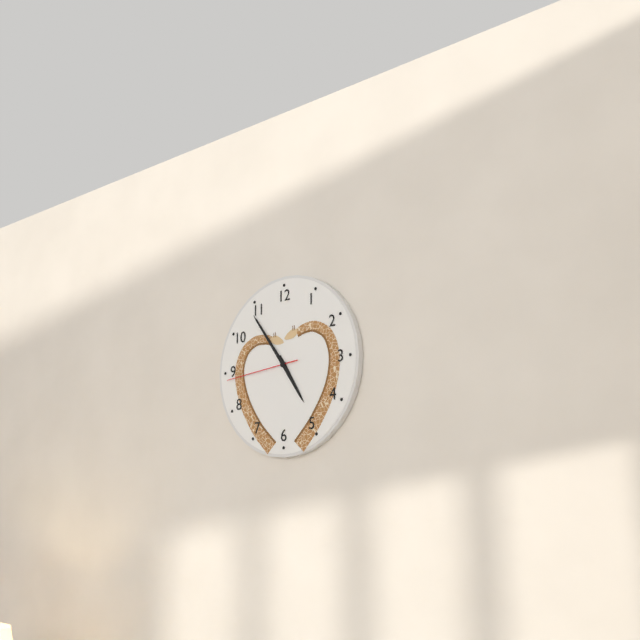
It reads **4:54:44**
